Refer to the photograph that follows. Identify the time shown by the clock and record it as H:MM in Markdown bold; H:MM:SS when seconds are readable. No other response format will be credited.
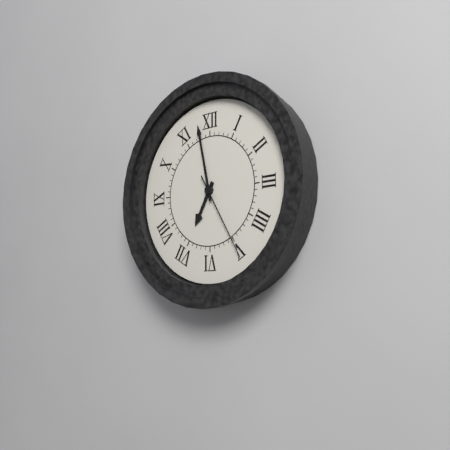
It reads **6:58:25**
